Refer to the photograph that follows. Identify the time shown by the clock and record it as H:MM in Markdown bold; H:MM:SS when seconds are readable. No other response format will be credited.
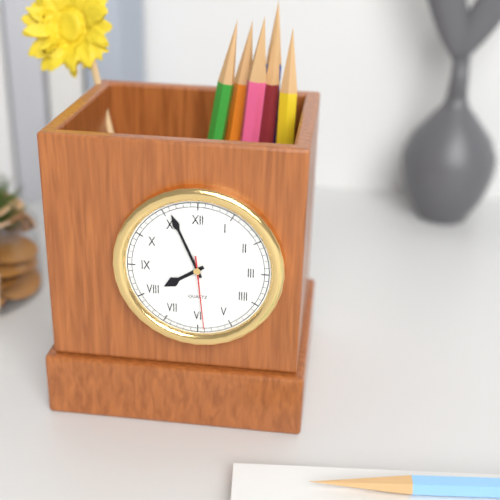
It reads **7:56:29**
